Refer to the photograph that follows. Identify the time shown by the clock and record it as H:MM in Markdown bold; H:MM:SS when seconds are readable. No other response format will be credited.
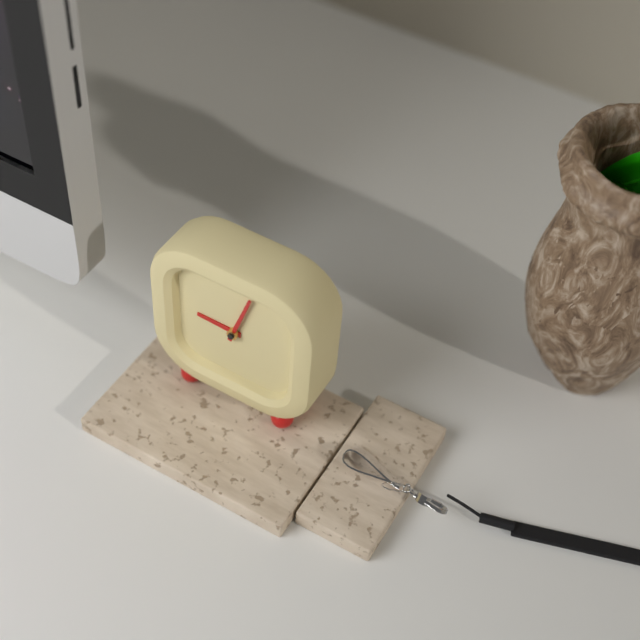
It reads **9:03**
